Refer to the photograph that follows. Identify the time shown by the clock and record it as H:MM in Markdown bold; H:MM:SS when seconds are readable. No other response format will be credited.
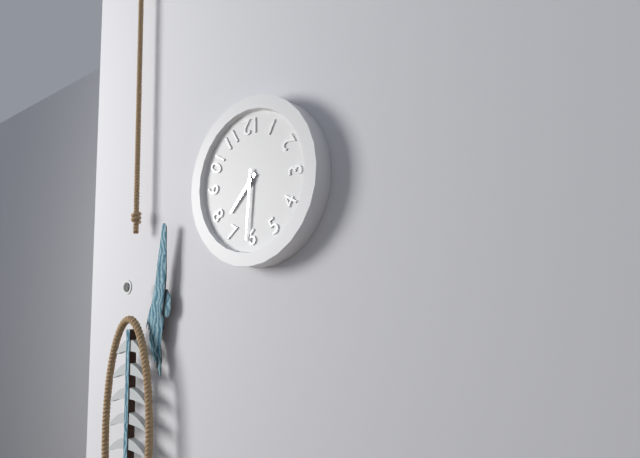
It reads **7:31**
